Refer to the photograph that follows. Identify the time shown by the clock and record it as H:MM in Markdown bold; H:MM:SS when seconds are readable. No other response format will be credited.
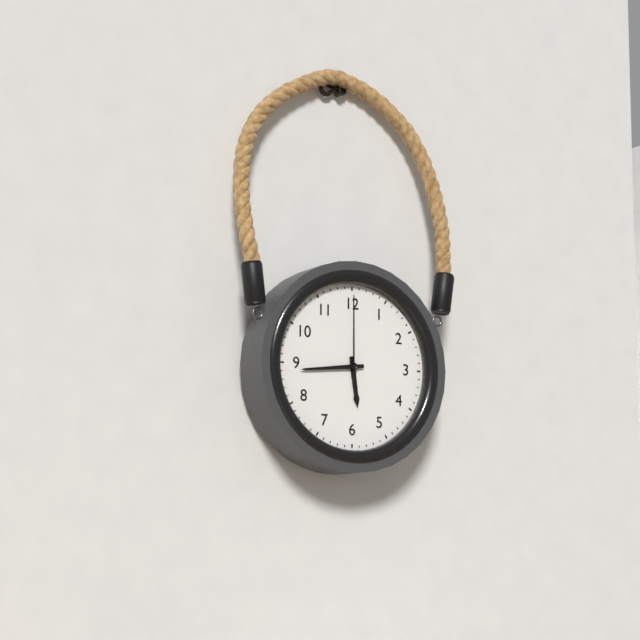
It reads **5:44:00**
